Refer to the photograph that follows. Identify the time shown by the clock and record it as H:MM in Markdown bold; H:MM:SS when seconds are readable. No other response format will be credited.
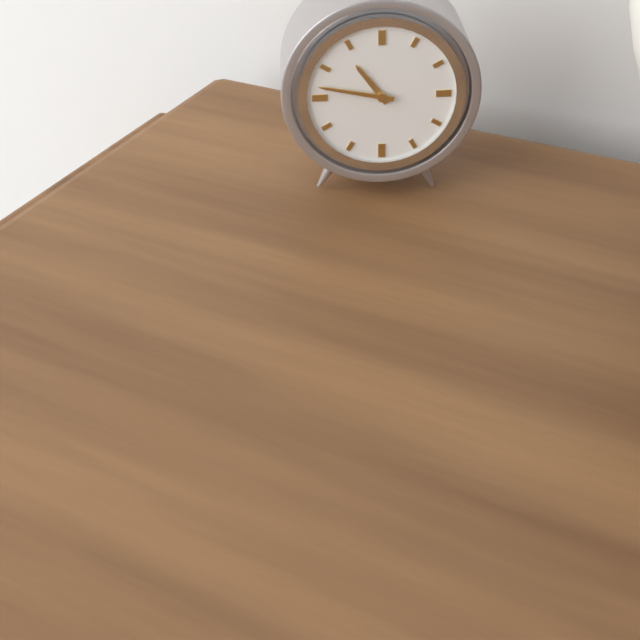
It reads **10:47**
